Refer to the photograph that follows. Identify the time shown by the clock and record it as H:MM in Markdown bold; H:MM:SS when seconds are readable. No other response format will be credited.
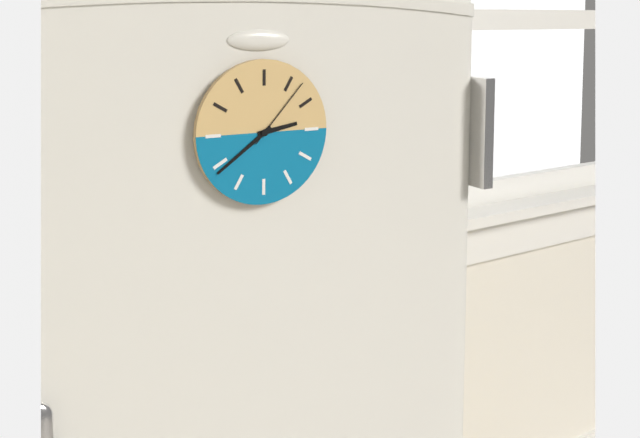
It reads **2:39:07**
